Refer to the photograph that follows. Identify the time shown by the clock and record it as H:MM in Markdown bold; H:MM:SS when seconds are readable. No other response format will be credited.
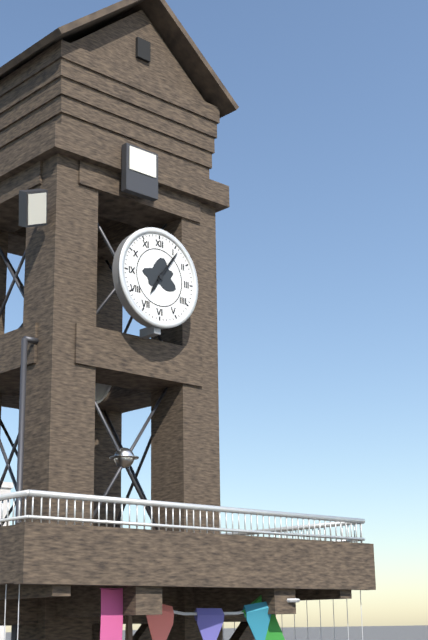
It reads **7:06**
